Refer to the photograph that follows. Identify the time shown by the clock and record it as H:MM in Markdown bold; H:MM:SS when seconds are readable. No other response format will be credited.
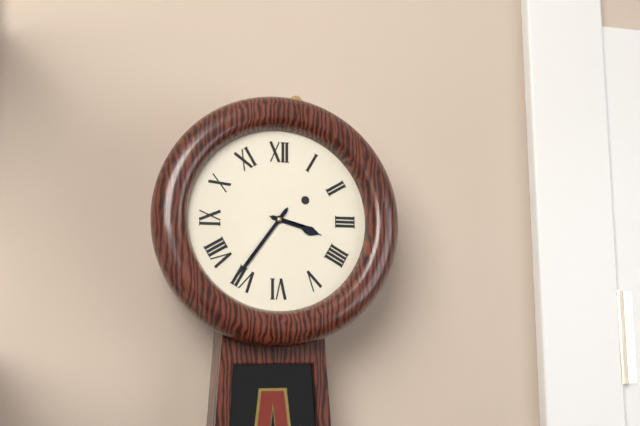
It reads **3:36**
